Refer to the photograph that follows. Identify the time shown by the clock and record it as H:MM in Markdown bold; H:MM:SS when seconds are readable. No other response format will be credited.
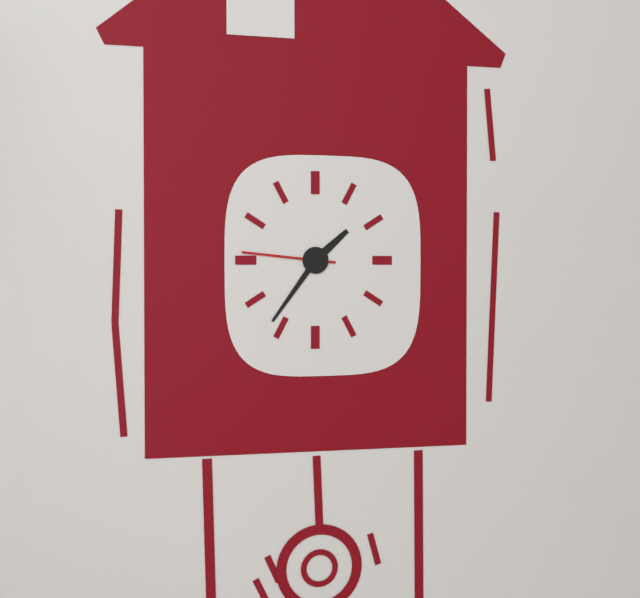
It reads **1:36:46**
